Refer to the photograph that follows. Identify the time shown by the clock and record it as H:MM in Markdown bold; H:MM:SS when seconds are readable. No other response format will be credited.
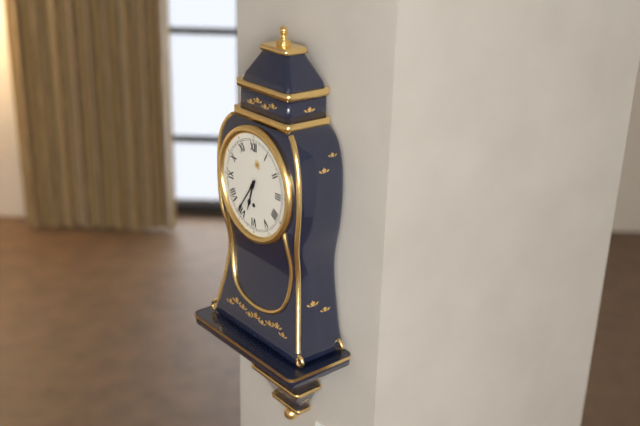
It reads **6:36**
